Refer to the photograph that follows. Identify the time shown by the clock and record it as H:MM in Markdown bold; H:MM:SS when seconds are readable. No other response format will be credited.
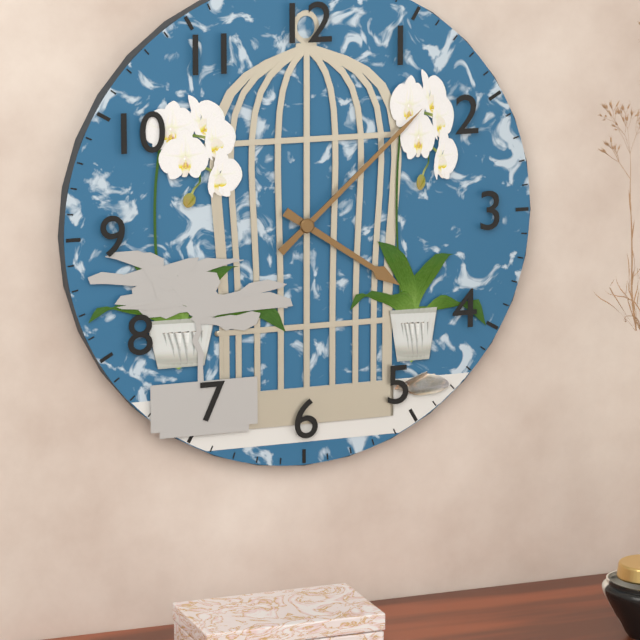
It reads **4:08**
